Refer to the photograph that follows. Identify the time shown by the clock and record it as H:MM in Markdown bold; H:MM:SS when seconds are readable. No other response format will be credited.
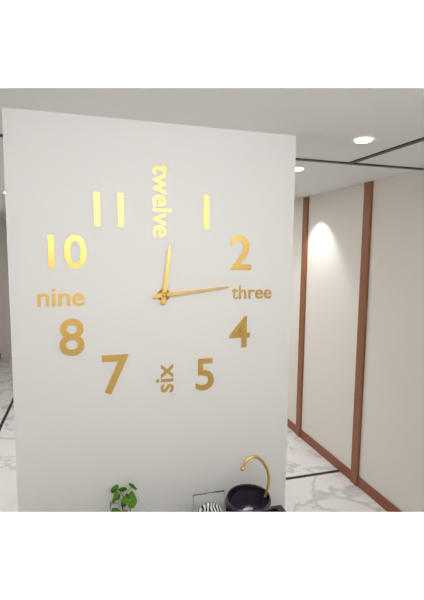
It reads **12:14**
